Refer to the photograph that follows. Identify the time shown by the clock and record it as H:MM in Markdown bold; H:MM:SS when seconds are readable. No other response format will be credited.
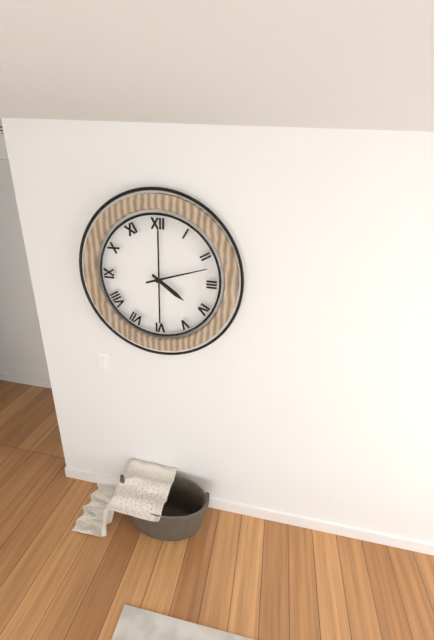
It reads **4:12**
